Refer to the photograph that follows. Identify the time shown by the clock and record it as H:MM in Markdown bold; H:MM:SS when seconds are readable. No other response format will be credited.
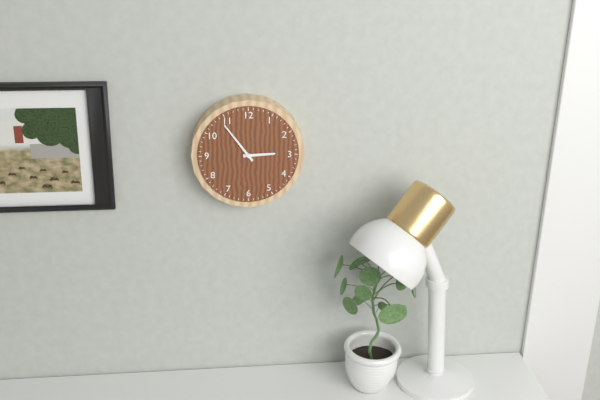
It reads **2:54**
